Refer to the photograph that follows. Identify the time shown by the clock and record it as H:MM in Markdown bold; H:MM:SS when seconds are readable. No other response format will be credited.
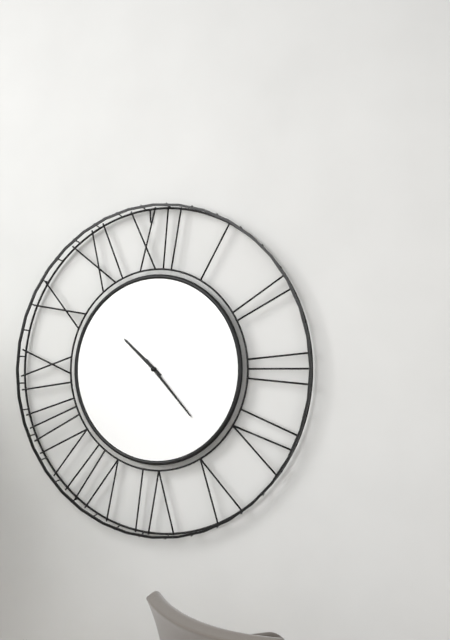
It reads **10:23**
